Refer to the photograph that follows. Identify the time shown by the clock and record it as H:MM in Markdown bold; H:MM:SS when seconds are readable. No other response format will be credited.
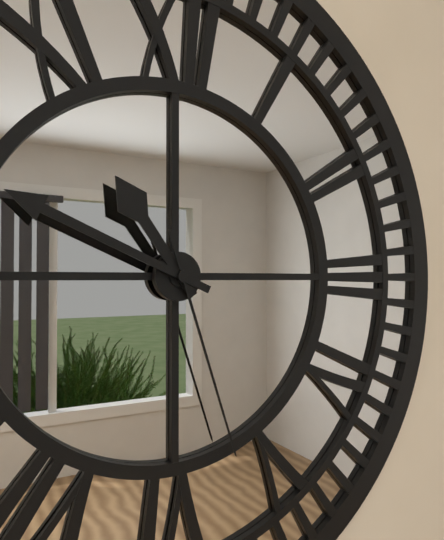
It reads **10:49:27**
